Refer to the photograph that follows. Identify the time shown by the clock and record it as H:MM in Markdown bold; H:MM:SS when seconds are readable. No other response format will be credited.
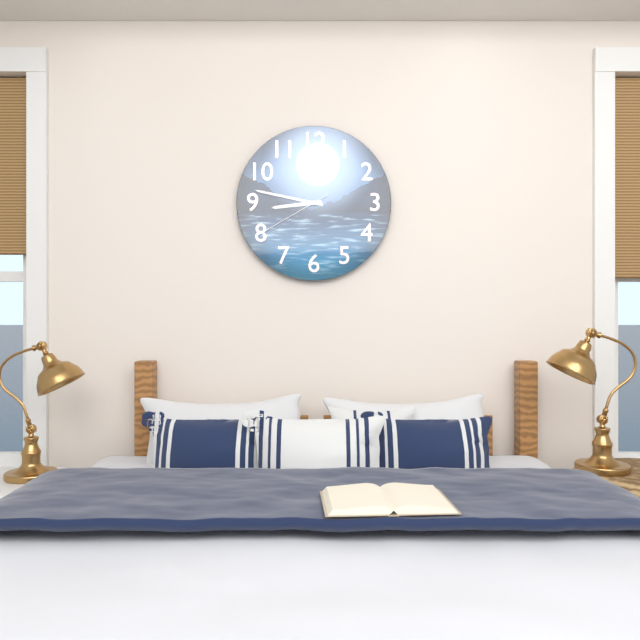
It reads **8:47:40**
